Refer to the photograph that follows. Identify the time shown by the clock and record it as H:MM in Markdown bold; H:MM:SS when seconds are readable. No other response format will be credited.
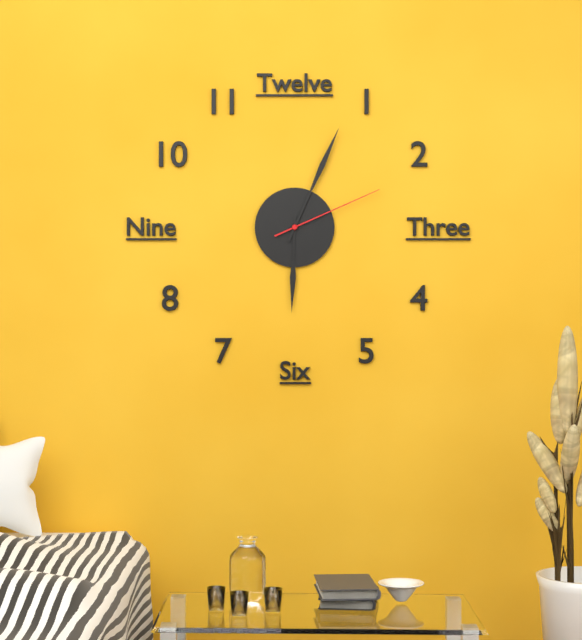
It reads **6:04:11**
